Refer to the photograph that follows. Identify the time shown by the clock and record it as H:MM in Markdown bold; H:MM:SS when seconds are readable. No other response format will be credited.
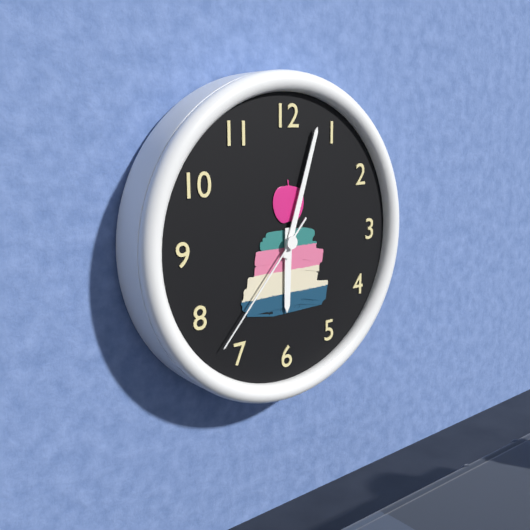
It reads **6:03:37**
